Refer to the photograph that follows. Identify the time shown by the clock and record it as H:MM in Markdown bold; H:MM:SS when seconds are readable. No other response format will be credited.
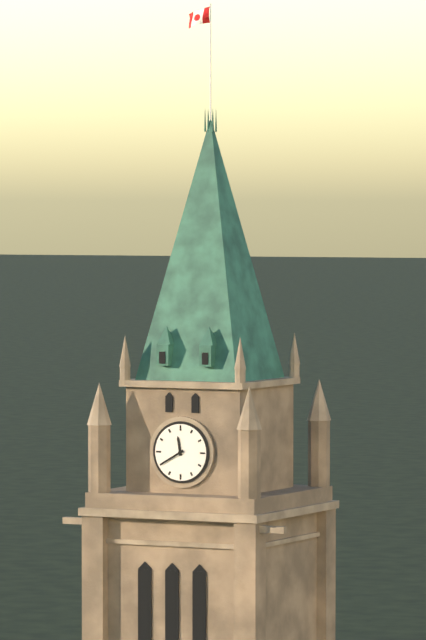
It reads **11:40**
